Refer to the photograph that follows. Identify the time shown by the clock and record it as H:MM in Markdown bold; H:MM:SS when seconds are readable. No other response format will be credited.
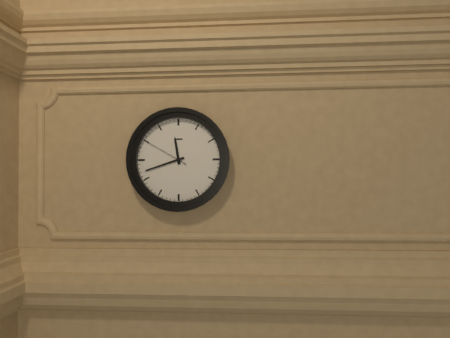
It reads **11:42**
